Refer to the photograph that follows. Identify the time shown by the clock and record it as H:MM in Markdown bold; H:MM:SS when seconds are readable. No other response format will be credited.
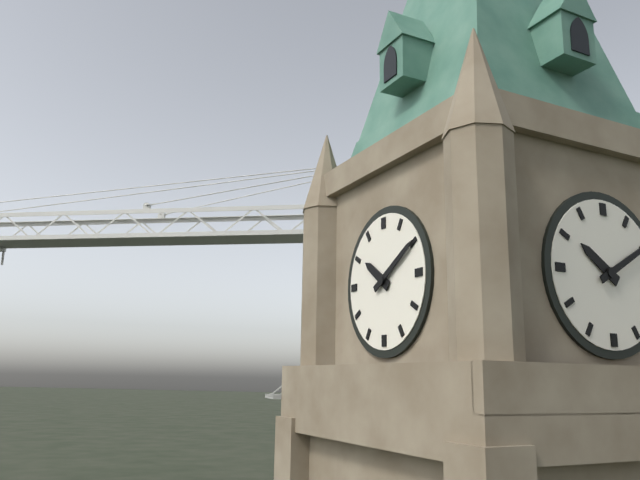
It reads **10:10**
